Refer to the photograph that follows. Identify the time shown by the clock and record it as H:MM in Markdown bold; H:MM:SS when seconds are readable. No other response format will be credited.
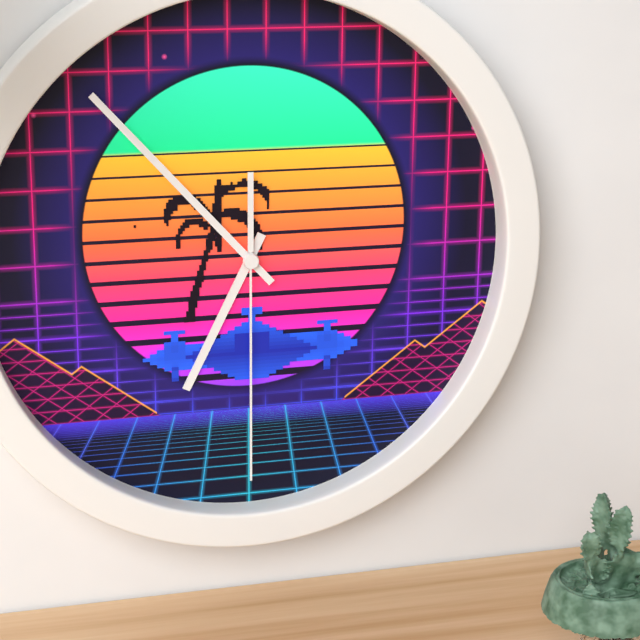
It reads **6:53:30**
